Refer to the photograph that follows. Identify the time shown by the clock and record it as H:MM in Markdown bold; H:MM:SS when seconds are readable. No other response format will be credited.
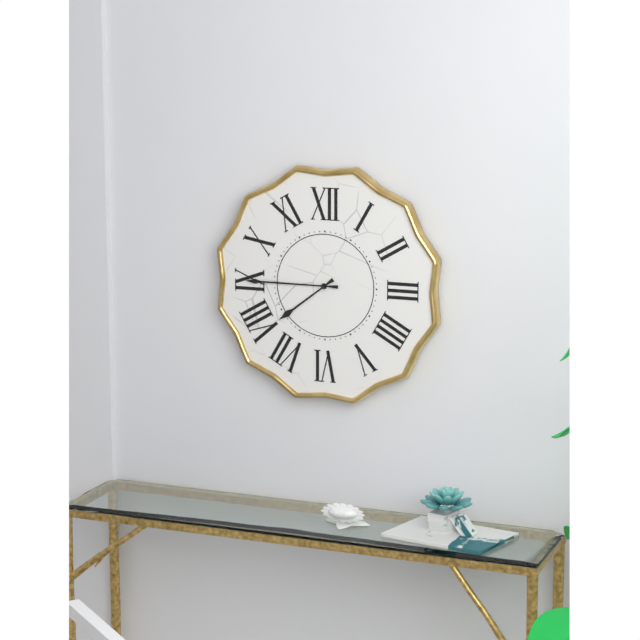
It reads **7:45**
